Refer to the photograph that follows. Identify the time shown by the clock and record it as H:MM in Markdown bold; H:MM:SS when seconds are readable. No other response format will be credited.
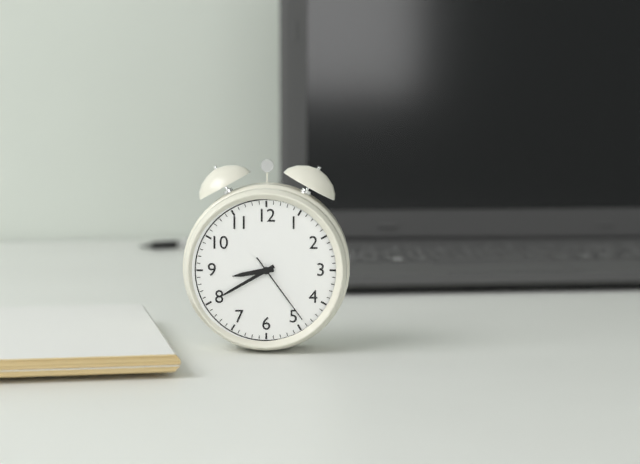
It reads **8:40:24**
